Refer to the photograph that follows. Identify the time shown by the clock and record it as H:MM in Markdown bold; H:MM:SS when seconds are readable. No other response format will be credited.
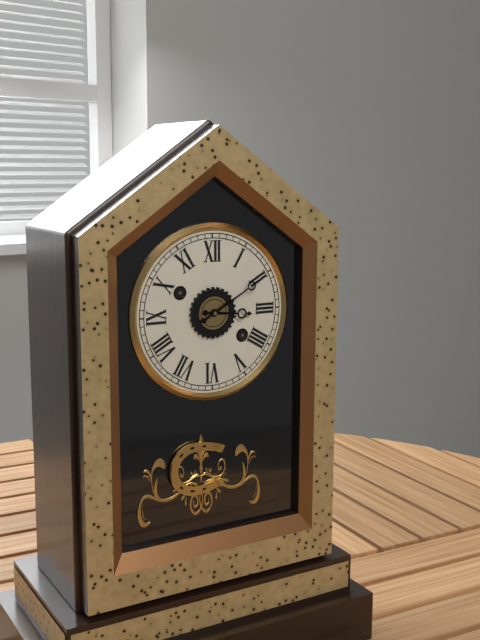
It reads **3:10**
